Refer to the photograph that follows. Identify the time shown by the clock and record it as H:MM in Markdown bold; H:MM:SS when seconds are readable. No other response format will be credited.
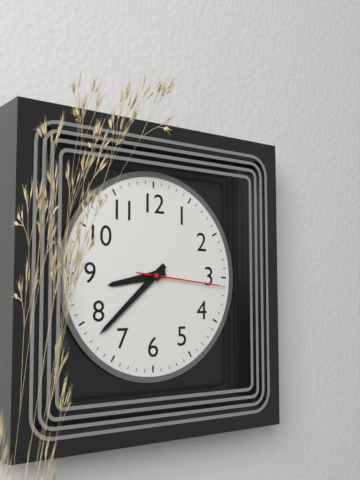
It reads **8:38:16**
